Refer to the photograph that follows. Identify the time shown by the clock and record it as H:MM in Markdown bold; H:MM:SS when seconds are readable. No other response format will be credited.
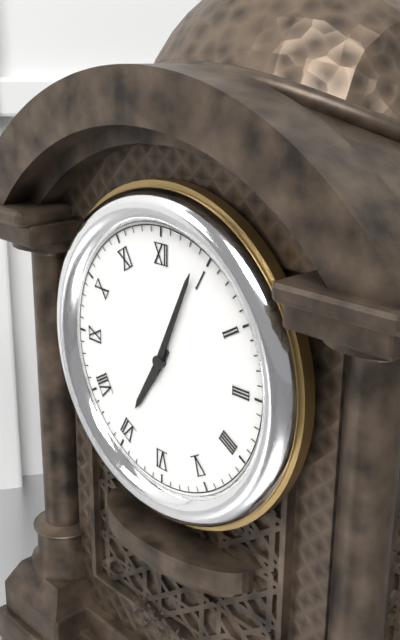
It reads **7:04**
